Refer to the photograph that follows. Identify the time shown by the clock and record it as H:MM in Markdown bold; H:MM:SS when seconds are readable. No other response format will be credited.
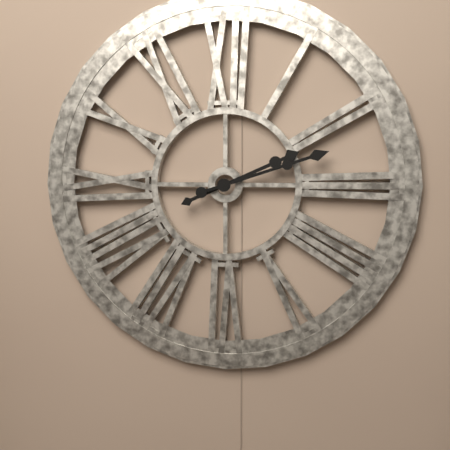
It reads **2:12**
